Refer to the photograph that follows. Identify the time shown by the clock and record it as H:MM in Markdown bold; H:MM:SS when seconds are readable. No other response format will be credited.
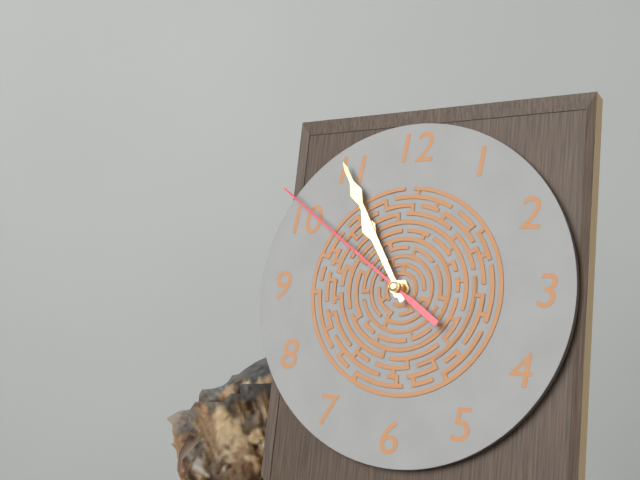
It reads **10:55:51**
